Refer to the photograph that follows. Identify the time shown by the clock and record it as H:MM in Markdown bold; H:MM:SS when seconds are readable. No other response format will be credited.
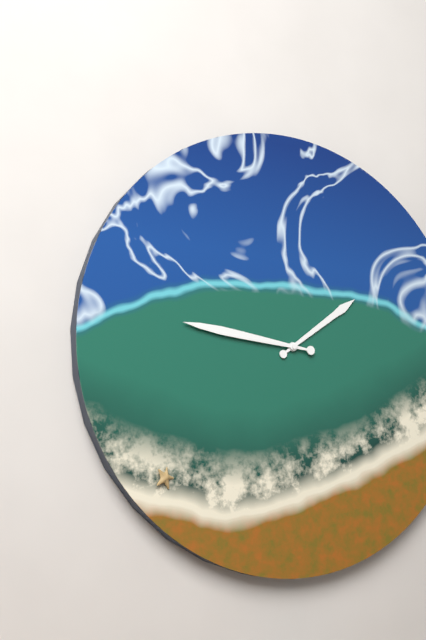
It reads **1:46**
